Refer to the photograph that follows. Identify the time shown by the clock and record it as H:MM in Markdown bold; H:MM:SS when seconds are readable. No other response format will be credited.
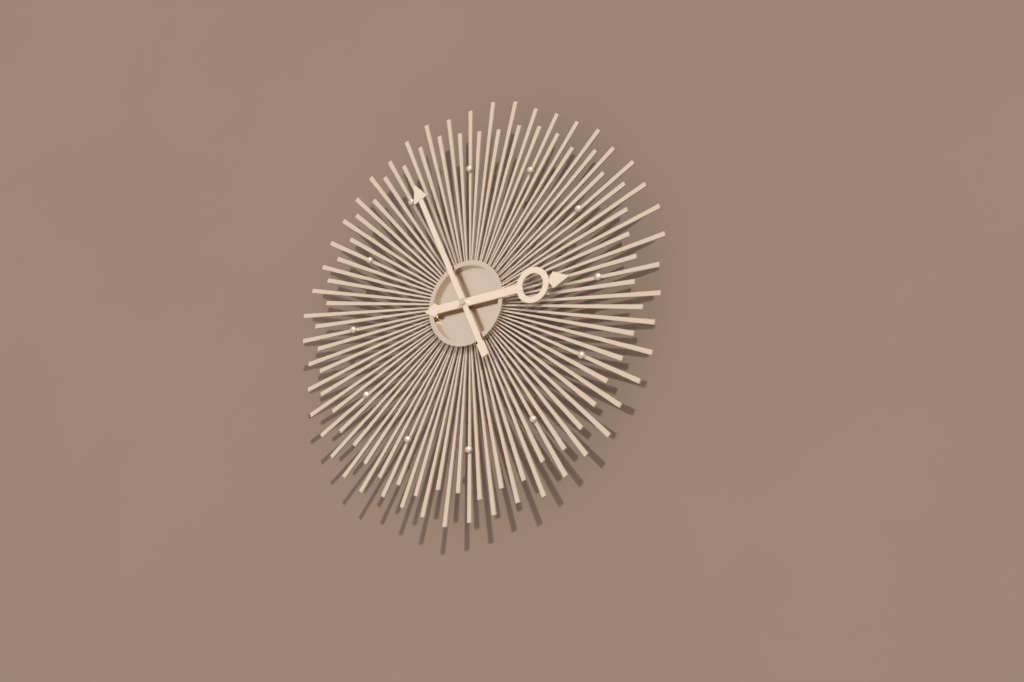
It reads **2:56**
